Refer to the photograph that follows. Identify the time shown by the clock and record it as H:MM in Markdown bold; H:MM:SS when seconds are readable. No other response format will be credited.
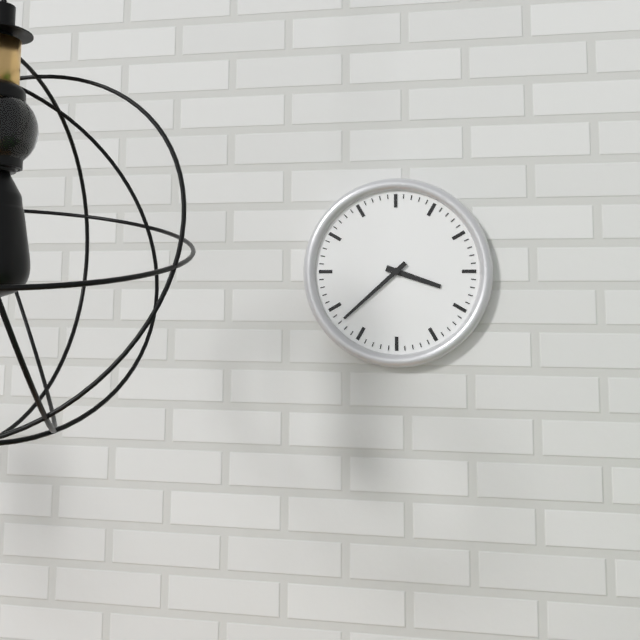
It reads **3:38**
